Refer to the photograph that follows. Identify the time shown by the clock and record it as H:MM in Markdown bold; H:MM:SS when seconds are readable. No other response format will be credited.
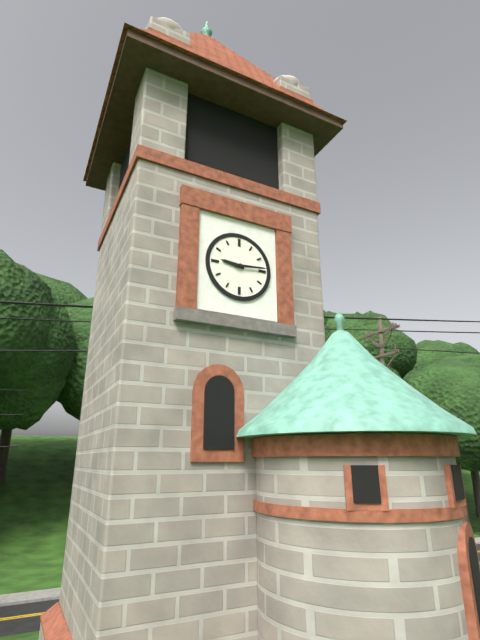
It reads **9:14**
